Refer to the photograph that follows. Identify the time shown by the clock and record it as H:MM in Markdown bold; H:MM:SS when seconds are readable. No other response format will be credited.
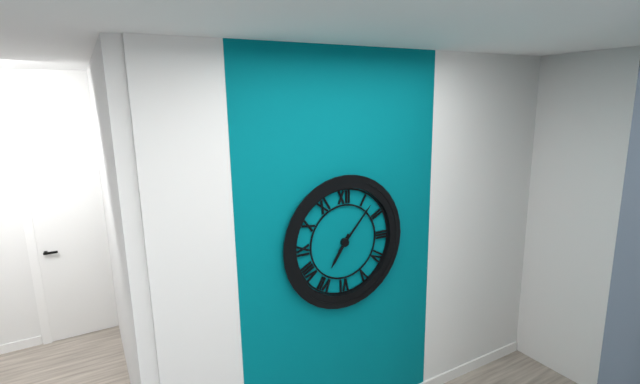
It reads **7:07**
